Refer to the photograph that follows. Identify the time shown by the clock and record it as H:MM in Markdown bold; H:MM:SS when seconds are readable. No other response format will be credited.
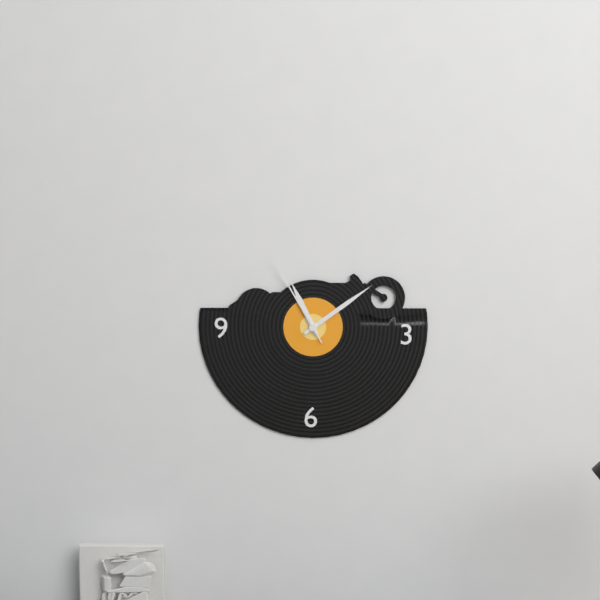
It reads **11:09:55**
